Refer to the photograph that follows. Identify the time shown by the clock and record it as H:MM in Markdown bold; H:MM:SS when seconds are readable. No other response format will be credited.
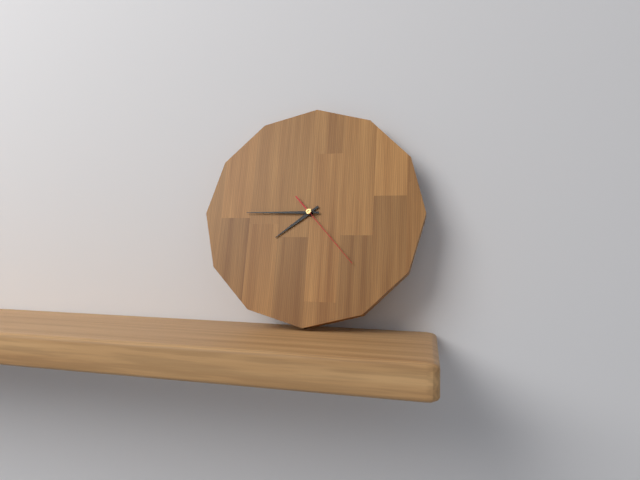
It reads **7:45:23**
